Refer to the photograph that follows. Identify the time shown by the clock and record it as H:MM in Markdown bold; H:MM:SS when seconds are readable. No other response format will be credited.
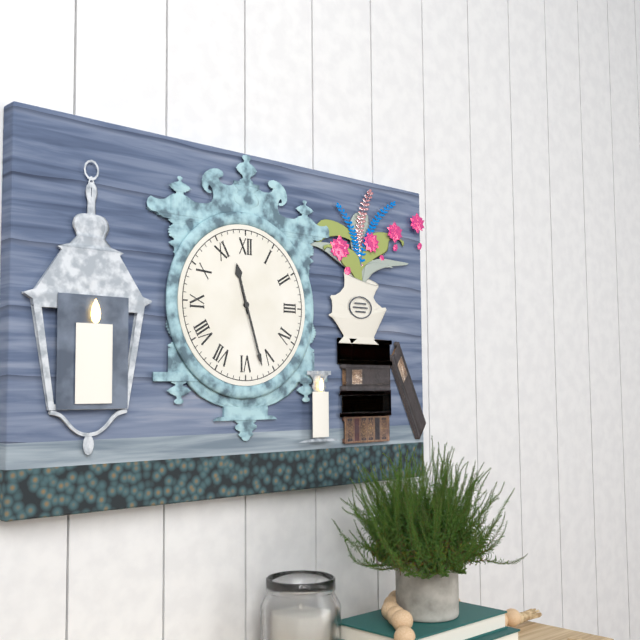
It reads **11:27**
